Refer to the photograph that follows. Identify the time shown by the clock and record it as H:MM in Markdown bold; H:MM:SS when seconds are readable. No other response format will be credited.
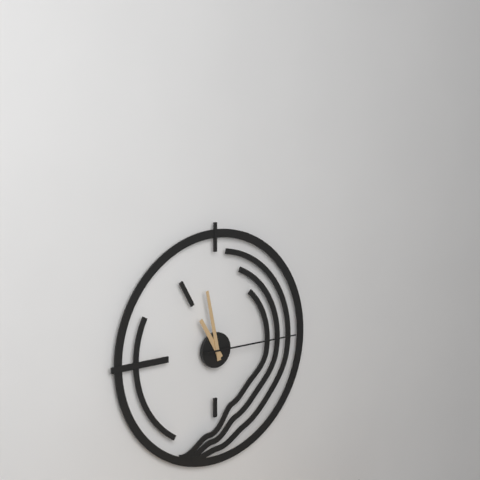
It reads **10:58:15**
